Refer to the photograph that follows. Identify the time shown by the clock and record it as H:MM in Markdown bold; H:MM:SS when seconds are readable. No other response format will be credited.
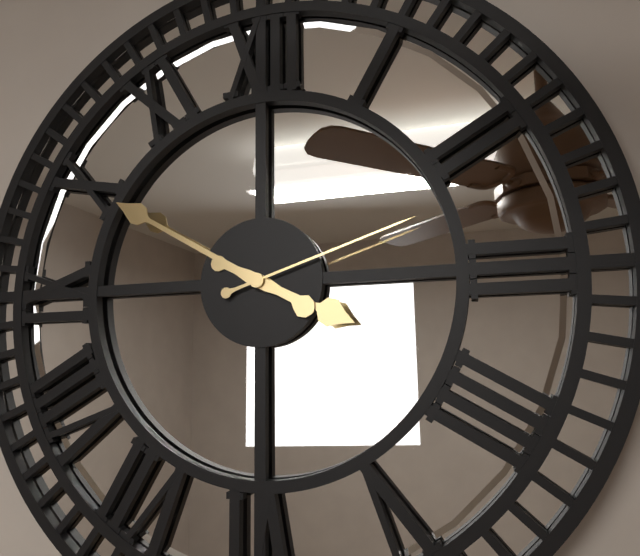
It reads **3:50:12**
